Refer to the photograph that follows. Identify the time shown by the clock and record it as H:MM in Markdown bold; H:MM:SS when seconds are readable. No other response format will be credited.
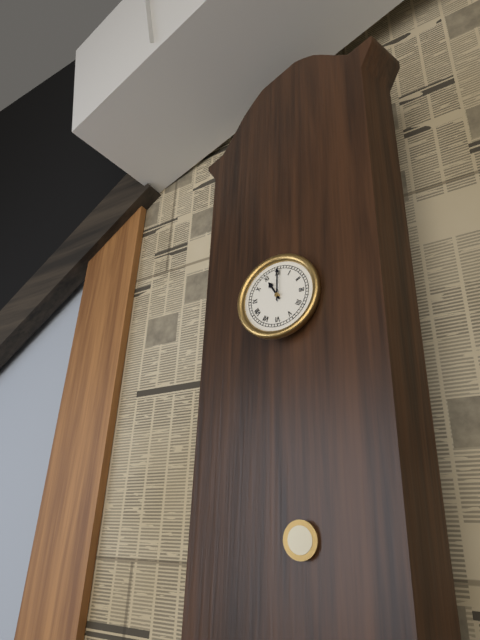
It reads **11:00**
